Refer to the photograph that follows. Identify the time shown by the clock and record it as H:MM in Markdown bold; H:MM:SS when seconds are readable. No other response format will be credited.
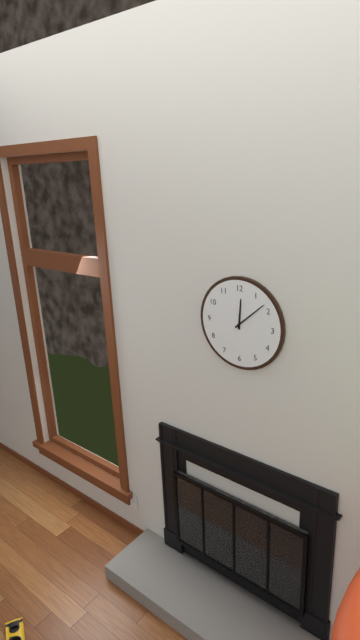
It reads **12:08**
